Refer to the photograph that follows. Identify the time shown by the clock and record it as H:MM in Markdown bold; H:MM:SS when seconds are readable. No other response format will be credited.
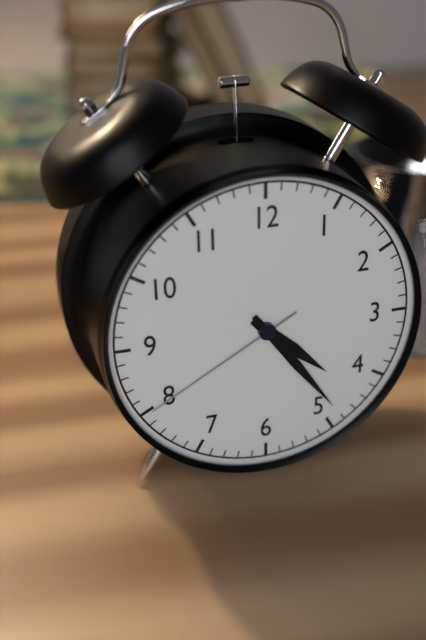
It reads **4:24:40**
